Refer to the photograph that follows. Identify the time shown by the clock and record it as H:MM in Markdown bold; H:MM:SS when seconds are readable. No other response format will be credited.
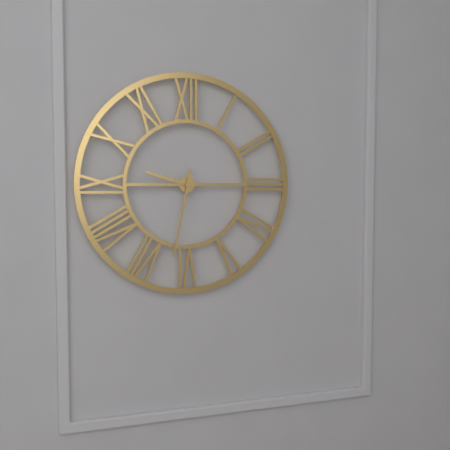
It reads **9:32**
